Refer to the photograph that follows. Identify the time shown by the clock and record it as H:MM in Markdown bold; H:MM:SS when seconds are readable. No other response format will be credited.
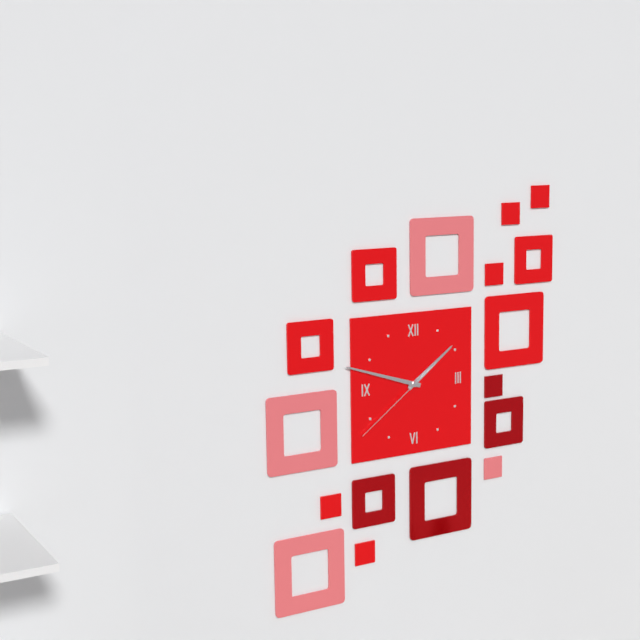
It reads **1:48:39**
